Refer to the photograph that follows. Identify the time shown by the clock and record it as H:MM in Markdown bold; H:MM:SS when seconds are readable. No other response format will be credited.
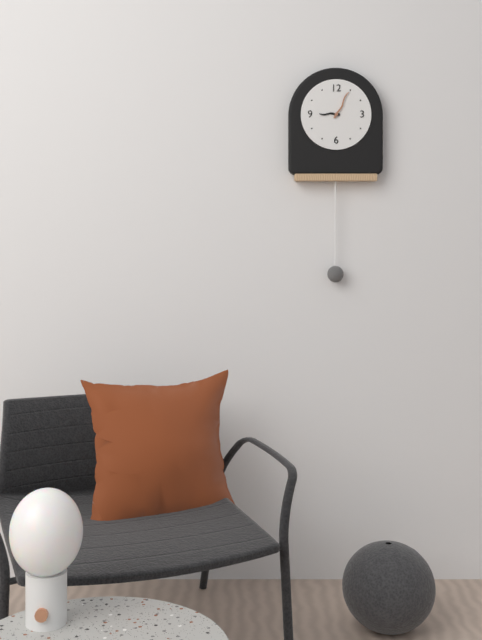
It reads **9:05**
